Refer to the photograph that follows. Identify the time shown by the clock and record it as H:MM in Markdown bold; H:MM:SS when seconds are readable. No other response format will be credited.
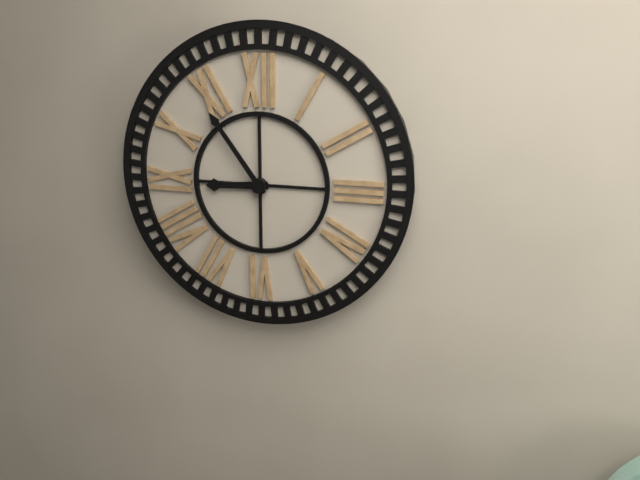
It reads **8:54**
